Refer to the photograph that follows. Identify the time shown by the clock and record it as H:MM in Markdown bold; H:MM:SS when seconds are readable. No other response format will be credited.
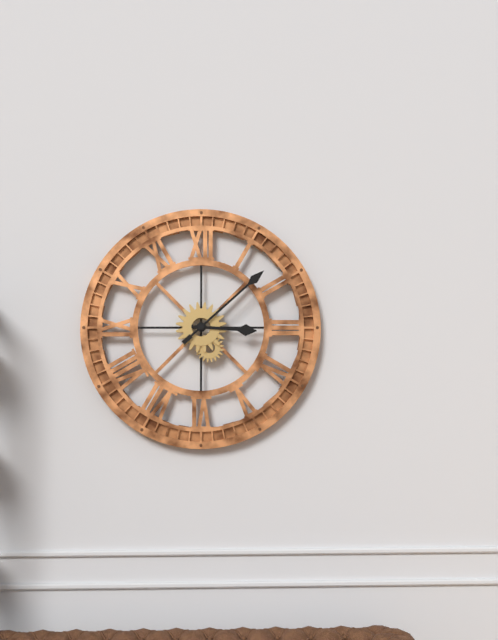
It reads **3:08**
